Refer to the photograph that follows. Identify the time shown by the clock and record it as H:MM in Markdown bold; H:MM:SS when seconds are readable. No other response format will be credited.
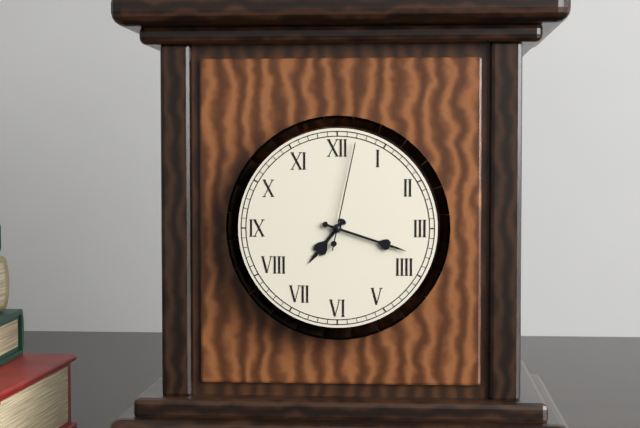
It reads **7:18:02**
